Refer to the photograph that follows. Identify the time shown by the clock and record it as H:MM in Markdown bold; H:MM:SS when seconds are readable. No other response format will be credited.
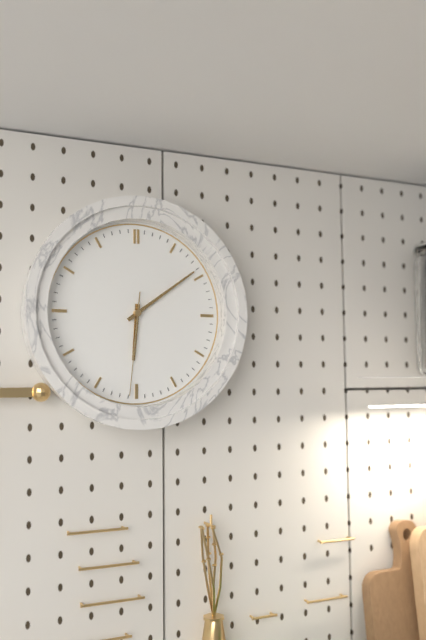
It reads **6:09:31**
